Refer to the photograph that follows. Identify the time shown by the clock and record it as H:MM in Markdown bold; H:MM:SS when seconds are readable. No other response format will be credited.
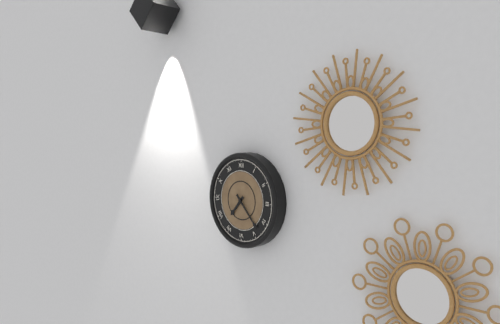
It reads **7:23**
